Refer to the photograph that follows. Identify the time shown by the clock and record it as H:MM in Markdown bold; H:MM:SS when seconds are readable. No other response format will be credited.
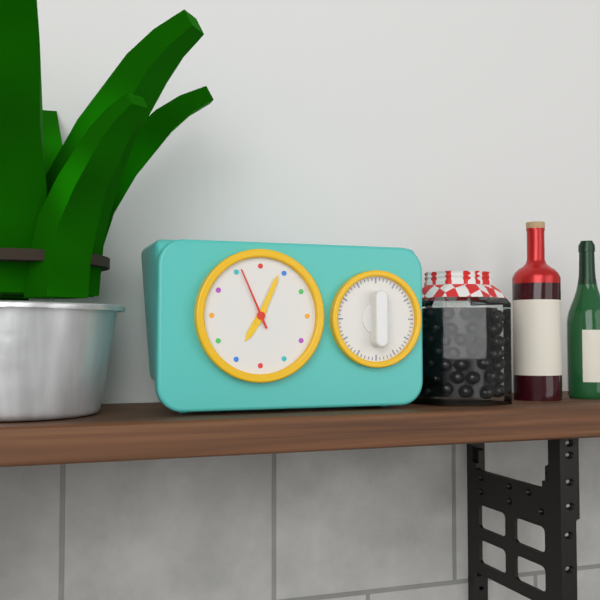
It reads **7:04:56**
